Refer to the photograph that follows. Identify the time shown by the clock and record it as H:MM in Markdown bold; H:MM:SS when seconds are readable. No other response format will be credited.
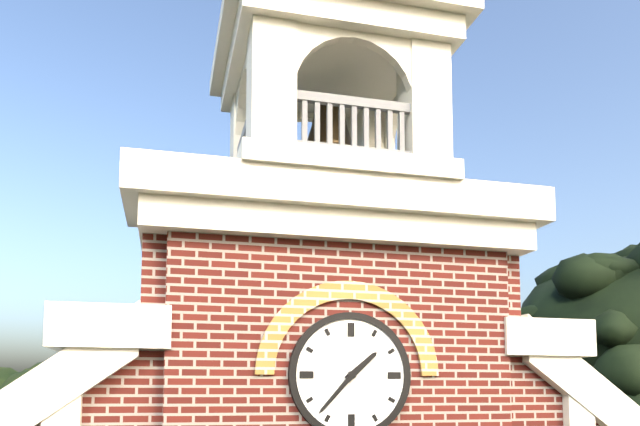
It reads **1:37**
